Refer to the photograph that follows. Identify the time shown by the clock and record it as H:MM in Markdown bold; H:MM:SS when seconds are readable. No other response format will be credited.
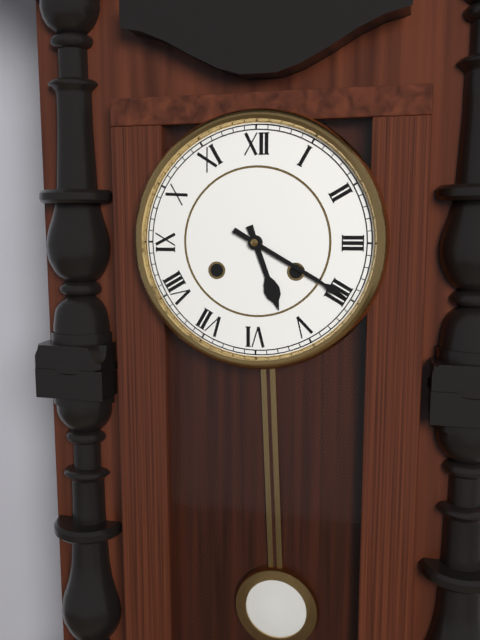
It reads **5:20**
